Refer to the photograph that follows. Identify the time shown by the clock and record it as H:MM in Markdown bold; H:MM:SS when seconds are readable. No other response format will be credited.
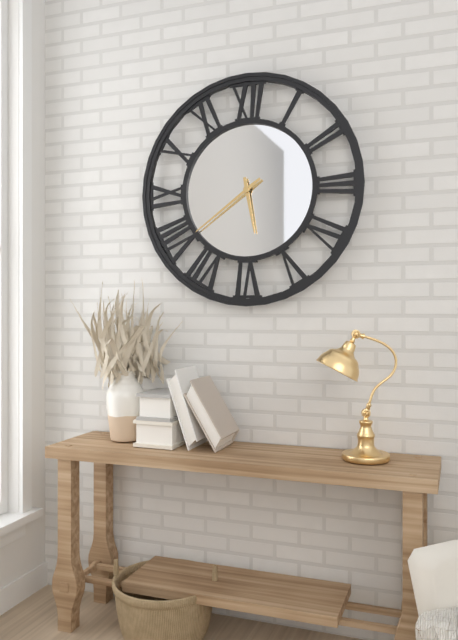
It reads **5:39**
